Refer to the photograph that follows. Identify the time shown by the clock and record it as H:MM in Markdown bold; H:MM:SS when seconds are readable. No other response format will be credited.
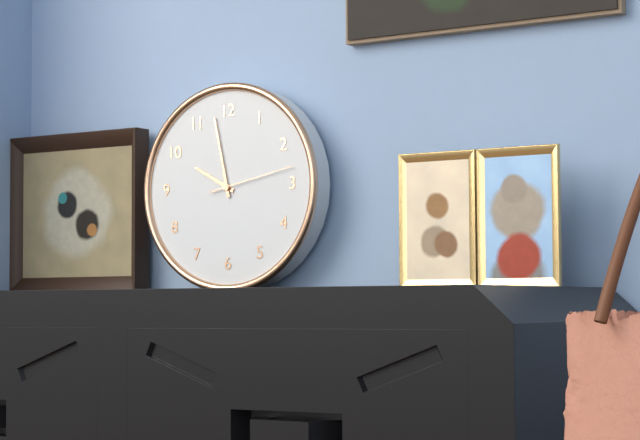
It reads **9:58:13**
